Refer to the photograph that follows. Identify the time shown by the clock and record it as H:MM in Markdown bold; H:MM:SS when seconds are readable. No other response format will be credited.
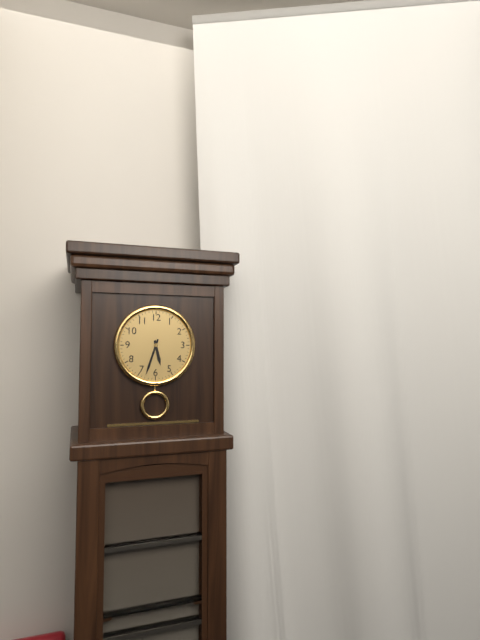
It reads **5:33**
